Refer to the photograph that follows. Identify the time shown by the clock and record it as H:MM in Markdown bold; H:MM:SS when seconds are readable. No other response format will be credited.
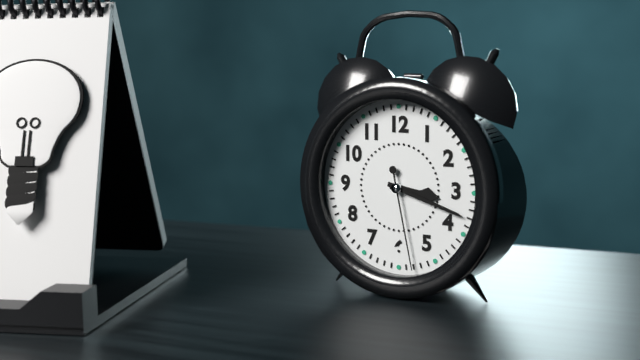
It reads **3:18:28**
